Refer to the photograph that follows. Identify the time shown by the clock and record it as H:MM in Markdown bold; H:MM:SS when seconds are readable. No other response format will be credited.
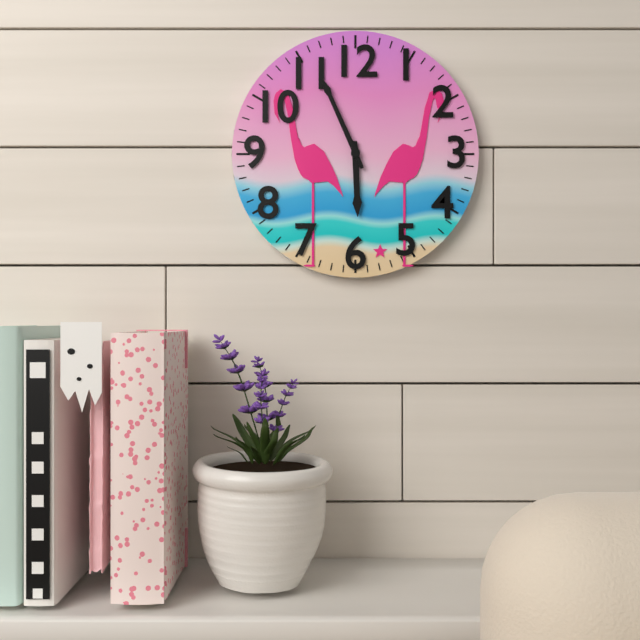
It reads **5:56**
